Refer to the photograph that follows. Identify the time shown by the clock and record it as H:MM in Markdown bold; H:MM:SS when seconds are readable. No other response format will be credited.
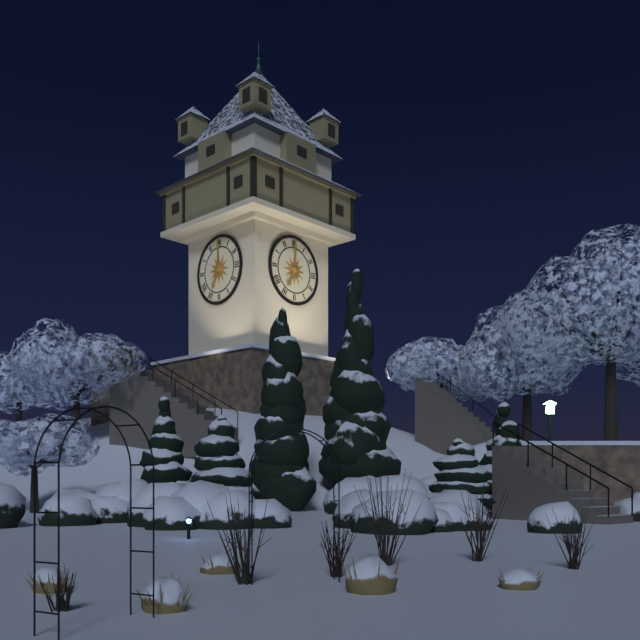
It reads **7:00**
